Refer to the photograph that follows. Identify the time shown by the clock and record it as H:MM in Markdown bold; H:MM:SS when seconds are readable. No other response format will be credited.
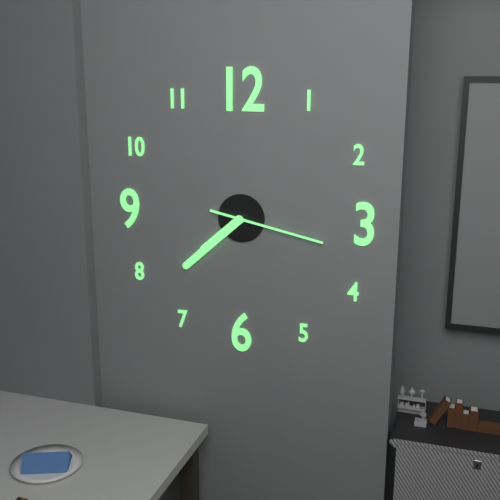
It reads **7:38:17**
